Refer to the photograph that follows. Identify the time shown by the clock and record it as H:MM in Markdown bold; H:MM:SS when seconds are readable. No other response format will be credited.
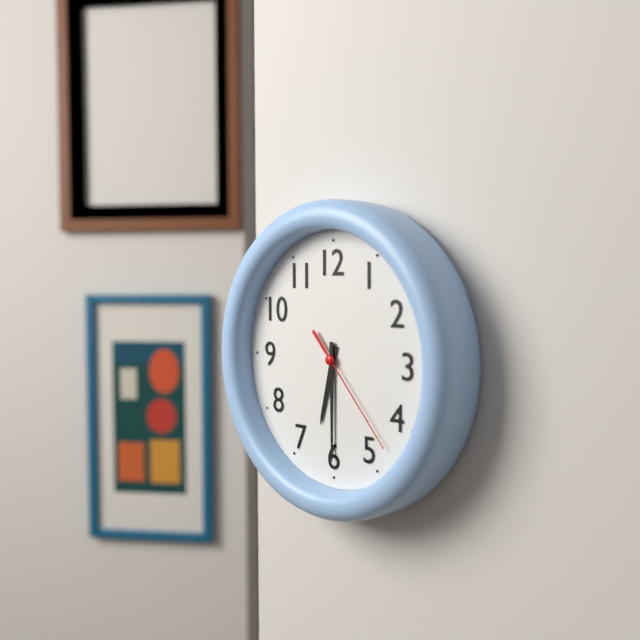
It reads **6:30:23**
